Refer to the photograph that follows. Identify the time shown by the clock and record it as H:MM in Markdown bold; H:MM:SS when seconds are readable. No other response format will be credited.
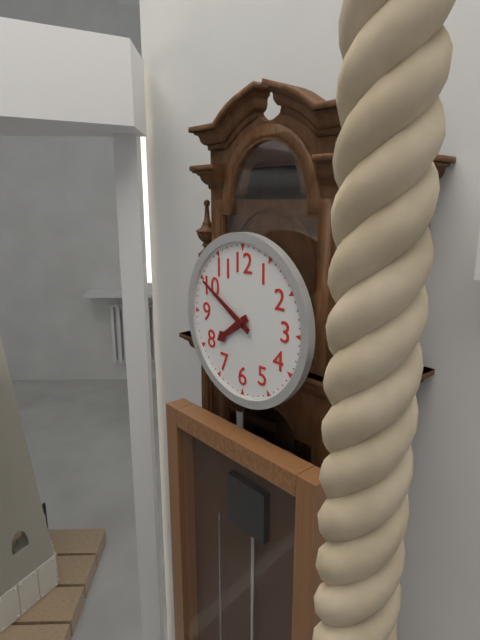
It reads **7:50**
